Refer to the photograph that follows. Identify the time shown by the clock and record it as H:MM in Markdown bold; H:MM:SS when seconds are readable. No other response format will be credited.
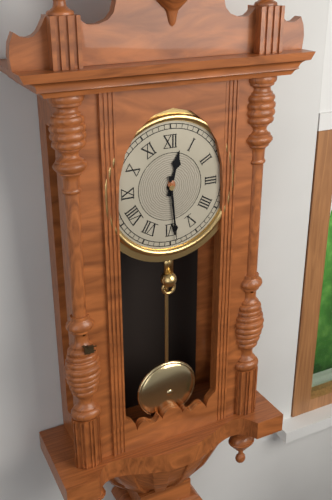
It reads **12:29**
